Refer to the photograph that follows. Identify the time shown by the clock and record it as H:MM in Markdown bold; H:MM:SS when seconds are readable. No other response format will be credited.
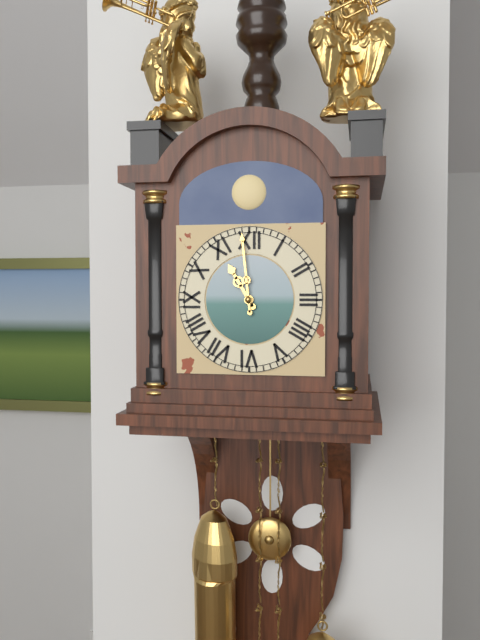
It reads **10:59**
